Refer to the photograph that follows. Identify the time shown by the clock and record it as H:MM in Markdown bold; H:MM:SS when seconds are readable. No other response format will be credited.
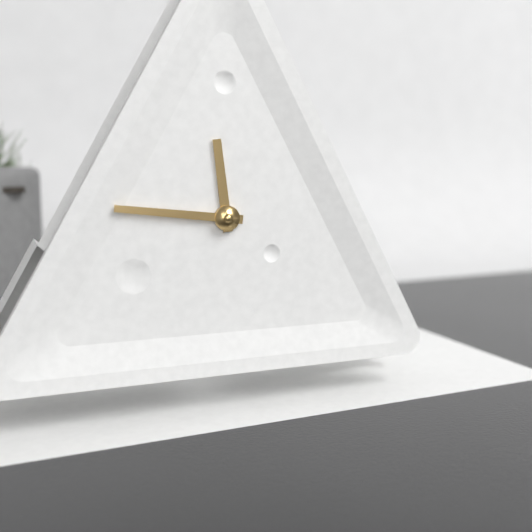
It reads **11:46**
